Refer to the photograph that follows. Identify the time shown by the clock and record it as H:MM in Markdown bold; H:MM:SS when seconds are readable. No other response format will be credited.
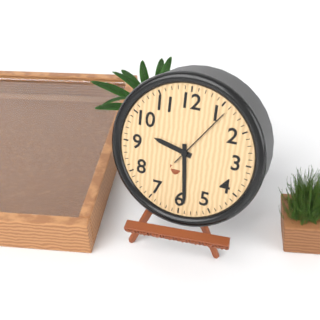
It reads **9:29:06**
